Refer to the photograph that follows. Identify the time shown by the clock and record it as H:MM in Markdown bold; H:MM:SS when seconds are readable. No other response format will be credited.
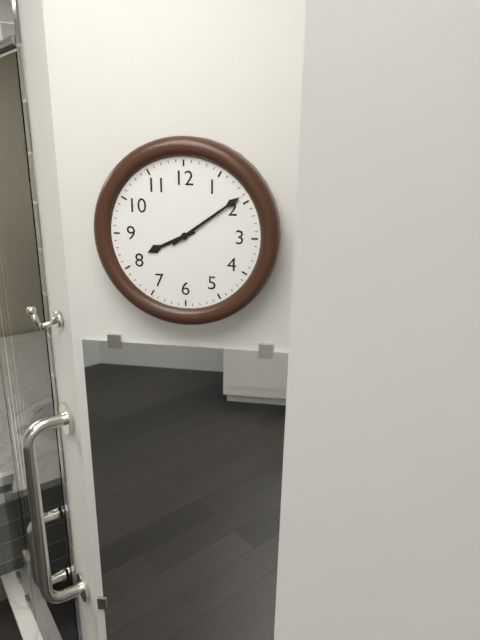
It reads **8:09**
